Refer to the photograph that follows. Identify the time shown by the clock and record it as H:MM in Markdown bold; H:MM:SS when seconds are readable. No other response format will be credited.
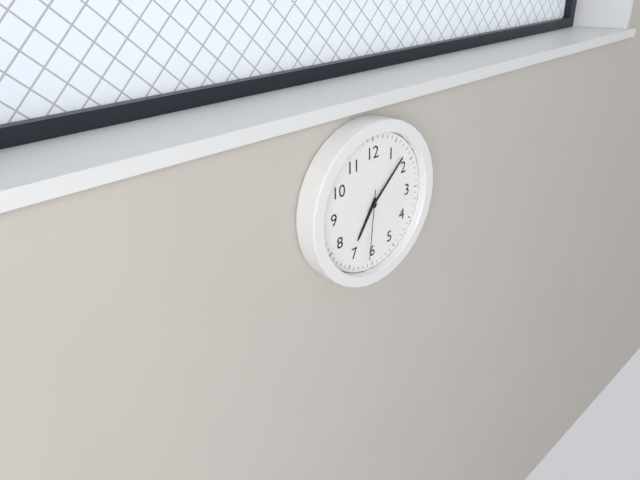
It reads **7:08:31**
